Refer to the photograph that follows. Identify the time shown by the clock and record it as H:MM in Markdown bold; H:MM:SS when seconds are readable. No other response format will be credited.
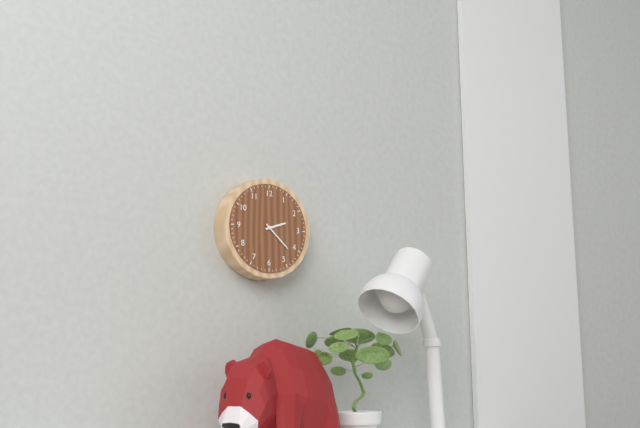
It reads **2:22**
